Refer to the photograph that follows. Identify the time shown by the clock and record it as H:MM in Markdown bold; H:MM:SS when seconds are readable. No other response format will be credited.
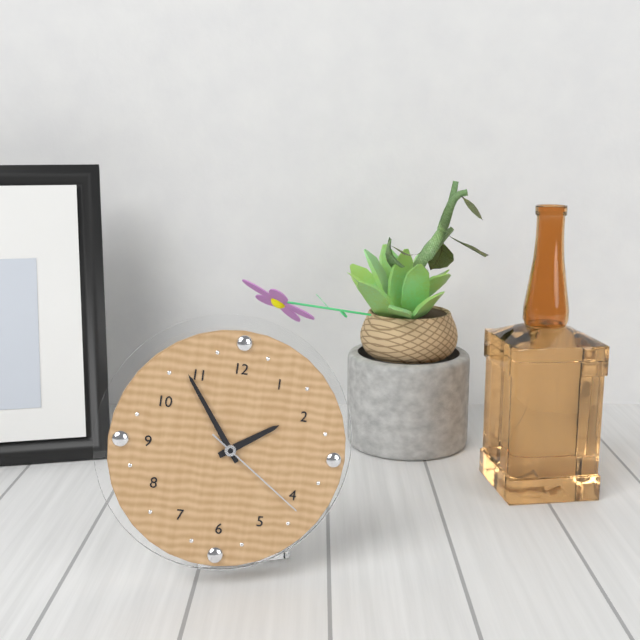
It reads **1:54:21**
